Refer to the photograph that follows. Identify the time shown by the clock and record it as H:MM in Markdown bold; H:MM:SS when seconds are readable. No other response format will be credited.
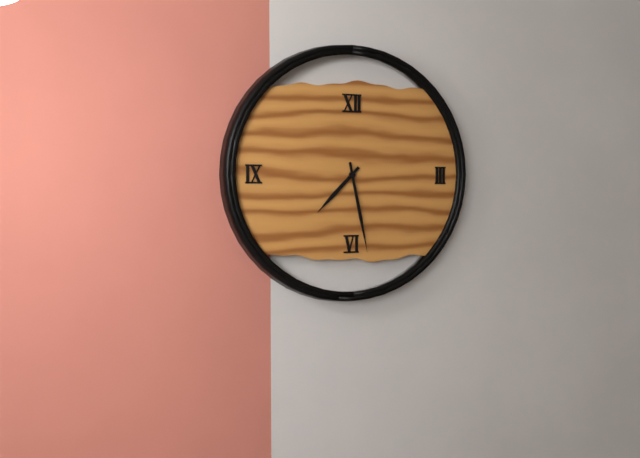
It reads **7:28**
